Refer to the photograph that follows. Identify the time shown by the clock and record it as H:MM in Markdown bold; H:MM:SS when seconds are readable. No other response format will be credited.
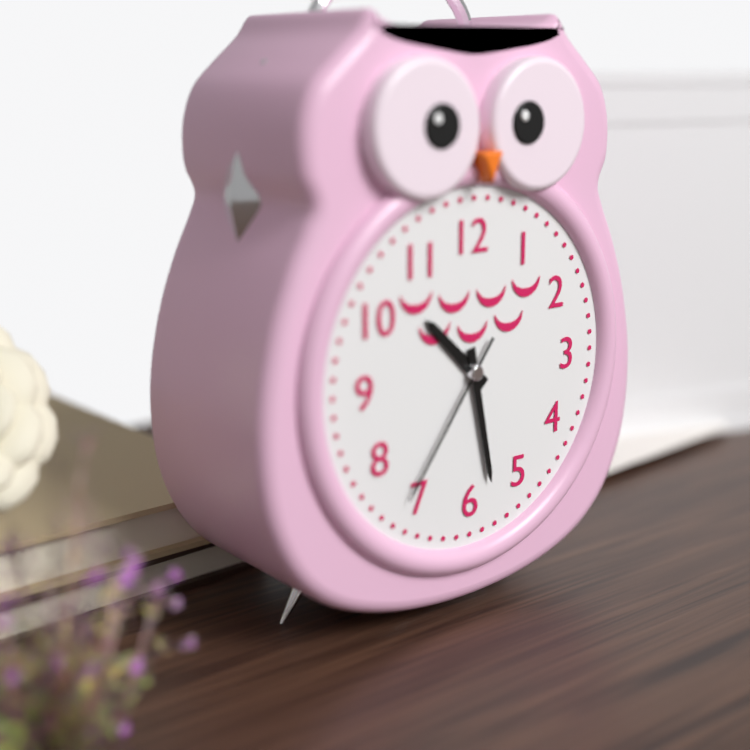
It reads **10:28:36**
